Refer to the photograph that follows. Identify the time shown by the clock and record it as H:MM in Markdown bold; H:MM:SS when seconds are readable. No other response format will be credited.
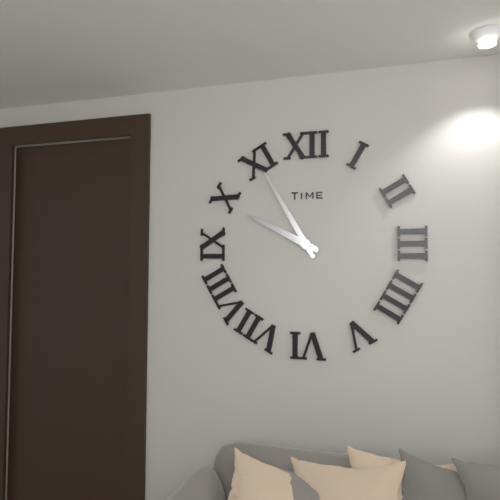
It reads **9:55**
